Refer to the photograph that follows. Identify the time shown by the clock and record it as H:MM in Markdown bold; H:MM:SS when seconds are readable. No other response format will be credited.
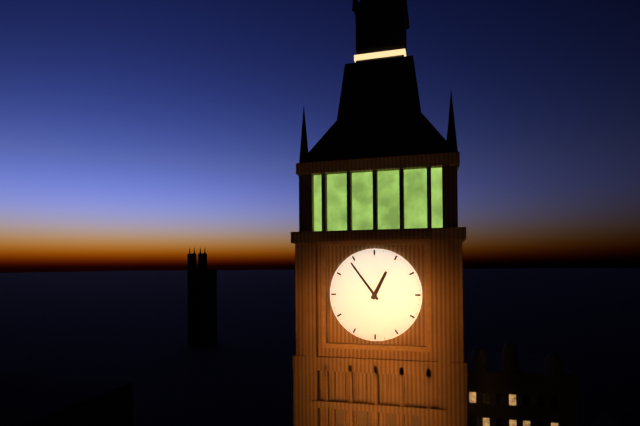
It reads **12:54**
